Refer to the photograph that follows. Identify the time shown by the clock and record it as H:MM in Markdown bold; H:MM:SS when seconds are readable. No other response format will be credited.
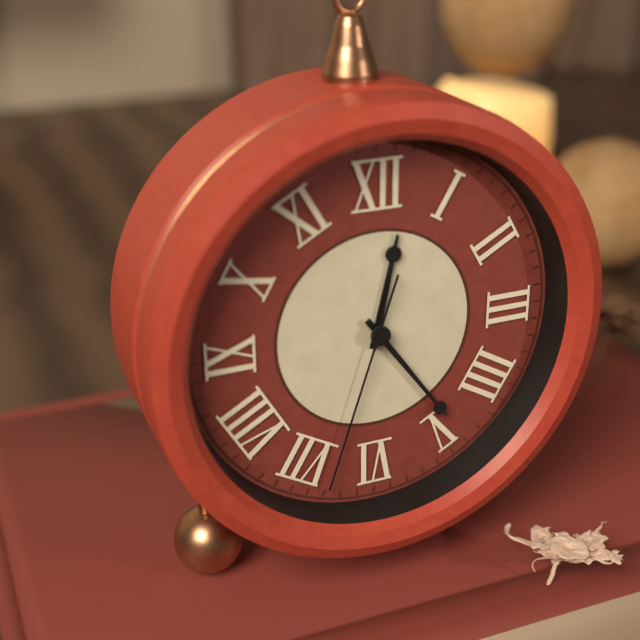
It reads **12:24:33**
